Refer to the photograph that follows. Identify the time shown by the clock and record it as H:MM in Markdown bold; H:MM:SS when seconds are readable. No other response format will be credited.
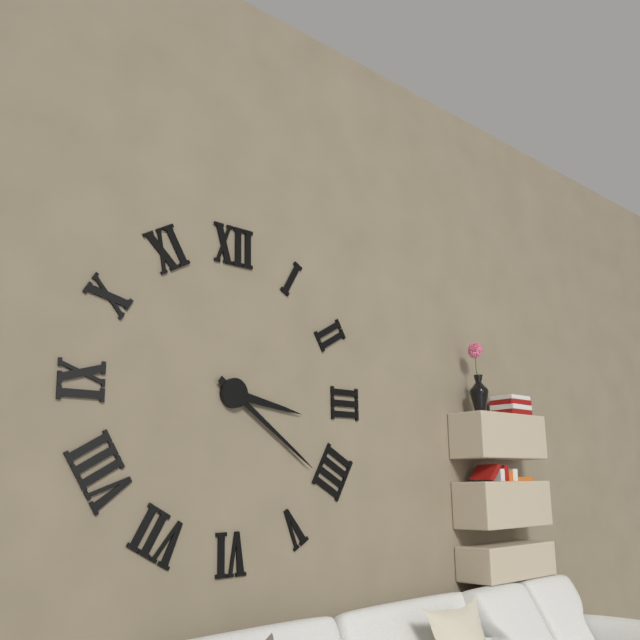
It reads **3:21**
